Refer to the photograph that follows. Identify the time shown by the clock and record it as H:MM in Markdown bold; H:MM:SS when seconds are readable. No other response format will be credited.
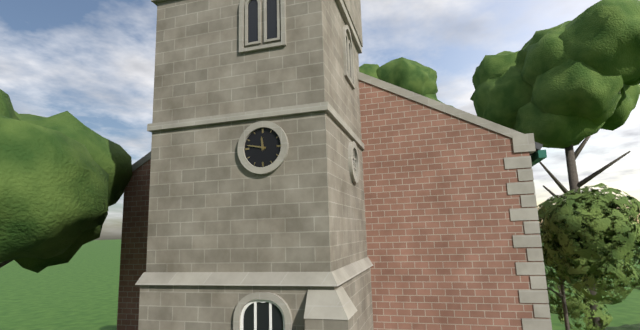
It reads **11:47**
